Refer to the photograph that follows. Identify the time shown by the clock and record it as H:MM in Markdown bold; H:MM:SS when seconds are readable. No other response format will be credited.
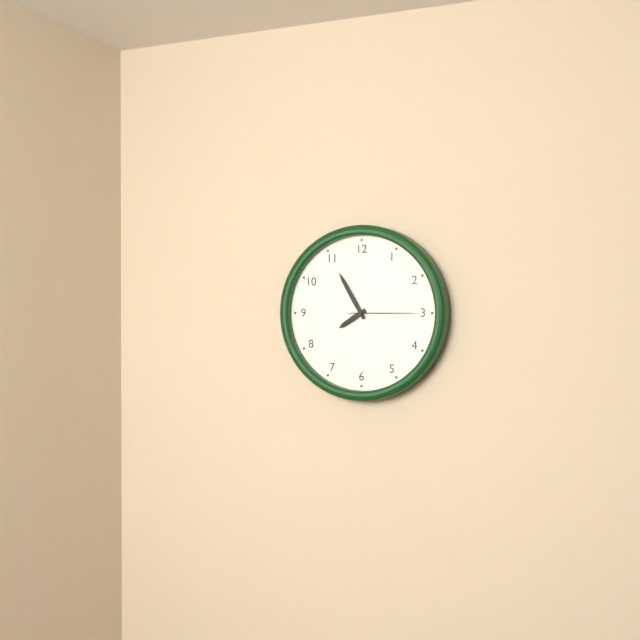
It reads **7:55:15**
